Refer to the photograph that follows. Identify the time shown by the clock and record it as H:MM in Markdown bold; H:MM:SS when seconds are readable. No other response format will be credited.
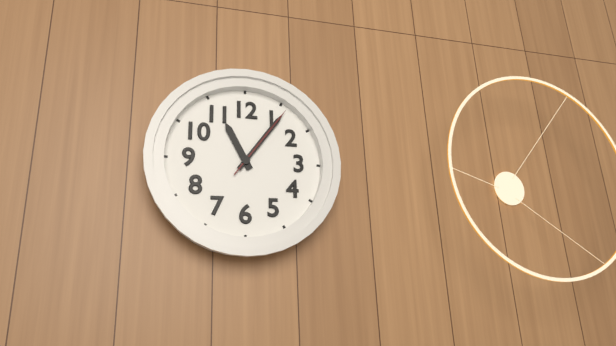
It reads **11:06:06**
